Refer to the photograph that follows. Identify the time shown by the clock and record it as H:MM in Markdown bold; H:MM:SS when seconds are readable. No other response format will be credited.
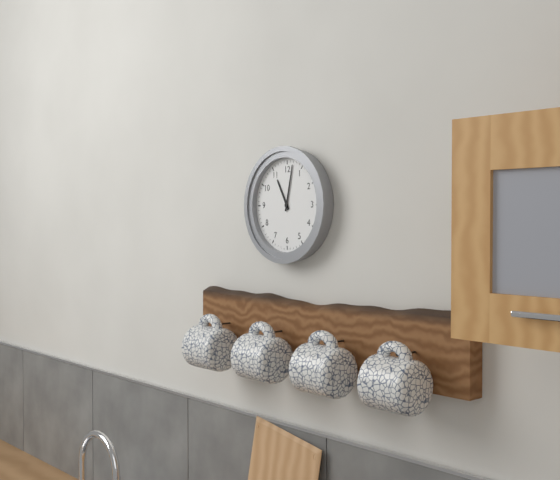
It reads **11:02**
